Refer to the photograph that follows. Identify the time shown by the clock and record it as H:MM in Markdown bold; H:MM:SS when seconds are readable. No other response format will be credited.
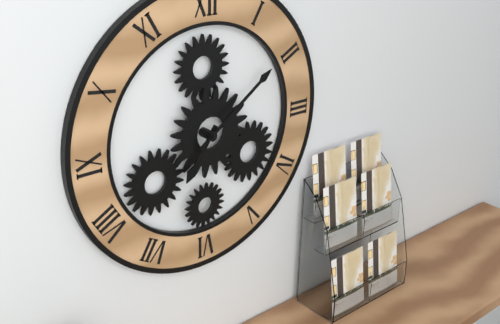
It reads **7:09**
